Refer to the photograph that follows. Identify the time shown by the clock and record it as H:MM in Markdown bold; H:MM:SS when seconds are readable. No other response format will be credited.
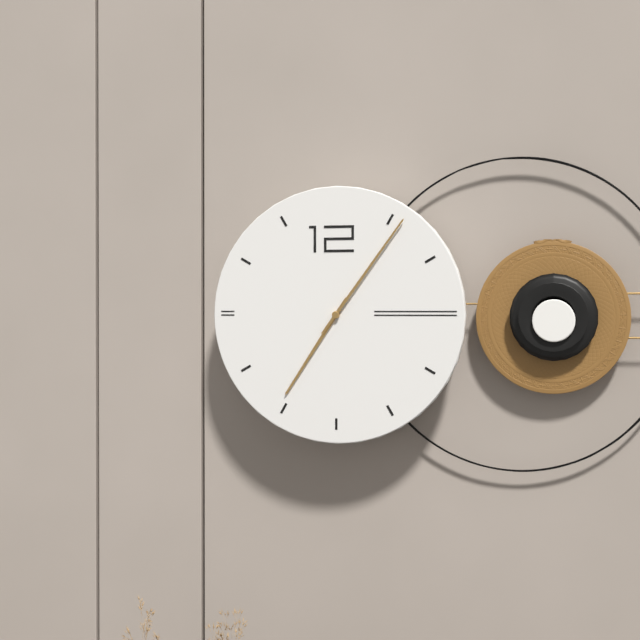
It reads **7:06**
